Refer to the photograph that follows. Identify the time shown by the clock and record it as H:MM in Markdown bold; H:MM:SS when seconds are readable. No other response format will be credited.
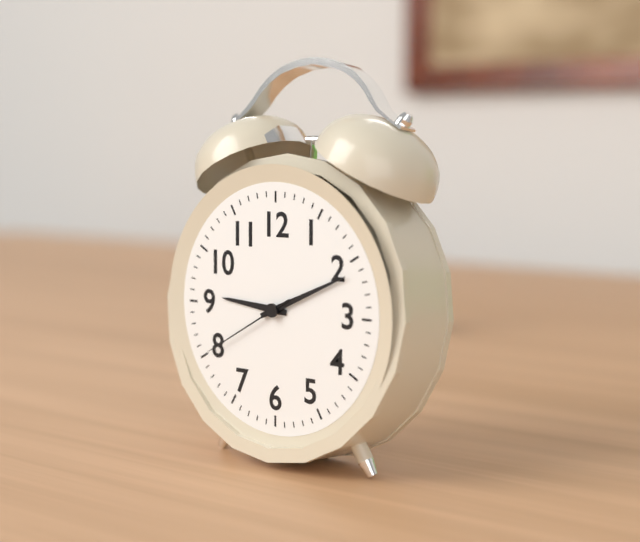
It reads **9:11:40**
